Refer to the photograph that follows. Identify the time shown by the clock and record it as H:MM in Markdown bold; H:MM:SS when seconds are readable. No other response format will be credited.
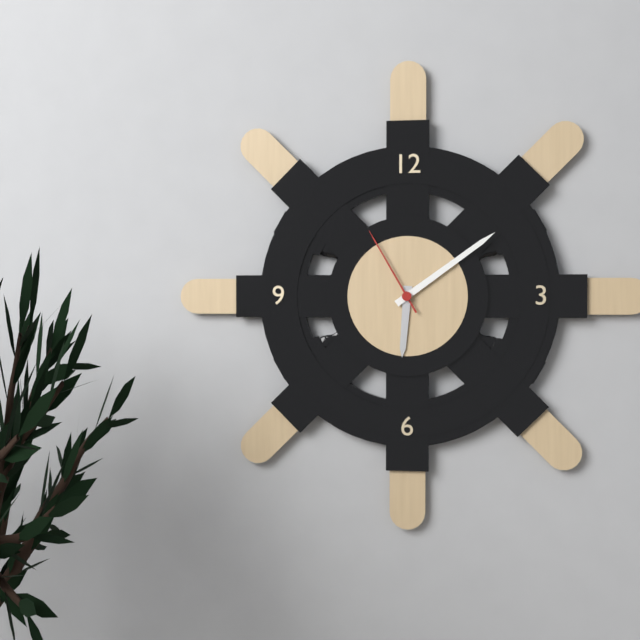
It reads **6:09:55**
